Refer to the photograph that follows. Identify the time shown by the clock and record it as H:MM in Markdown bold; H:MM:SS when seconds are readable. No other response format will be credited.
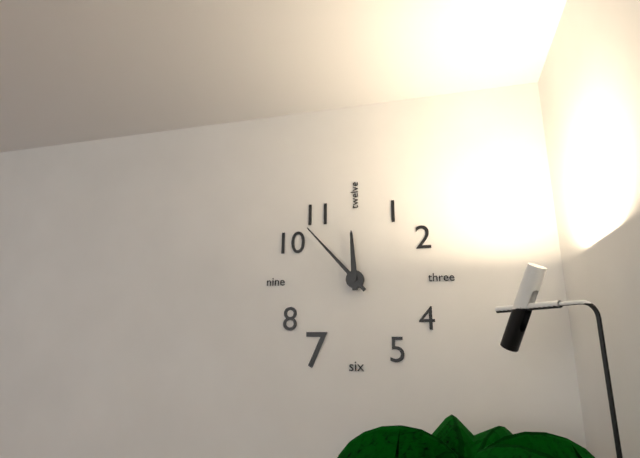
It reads **11:53**
